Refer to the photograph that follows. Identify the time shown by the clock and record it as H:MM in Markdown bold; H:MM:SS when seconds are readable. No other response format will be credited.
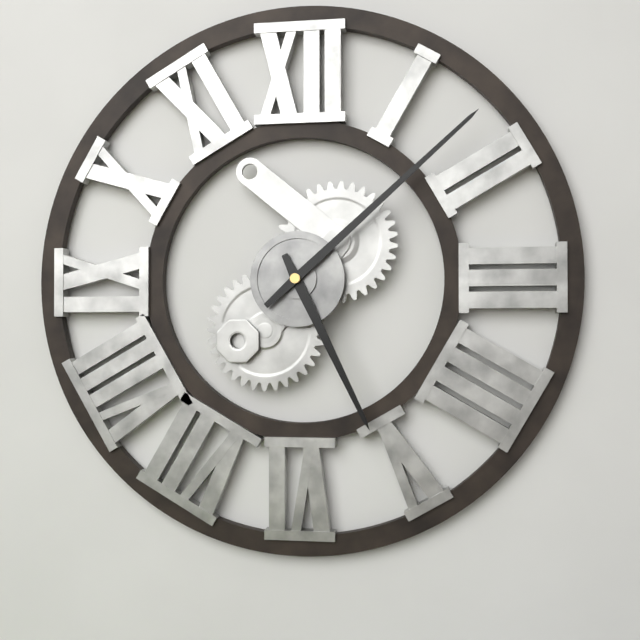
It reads **5:08**
